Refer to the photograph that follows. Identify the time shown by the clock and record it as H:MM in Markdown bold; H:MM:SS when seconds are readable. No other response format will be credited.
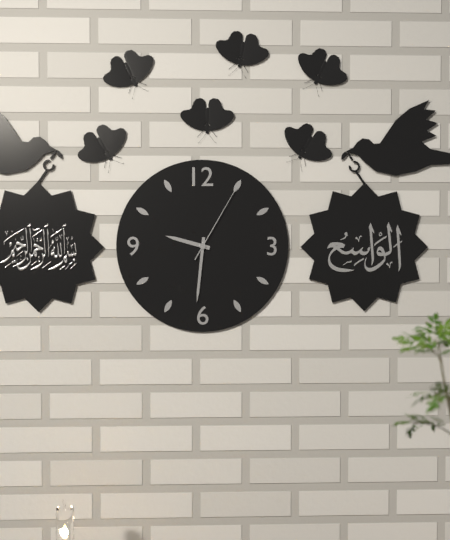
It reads **9:31:05**
